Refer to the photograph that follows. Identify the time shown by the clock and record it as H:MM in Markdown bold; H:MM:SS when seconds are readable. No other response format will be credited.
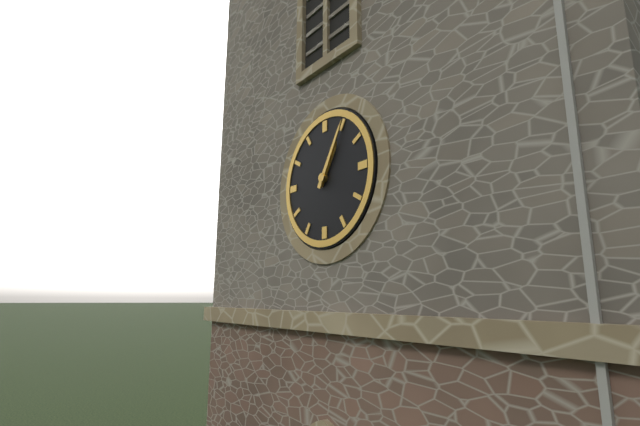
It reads **1:05**
